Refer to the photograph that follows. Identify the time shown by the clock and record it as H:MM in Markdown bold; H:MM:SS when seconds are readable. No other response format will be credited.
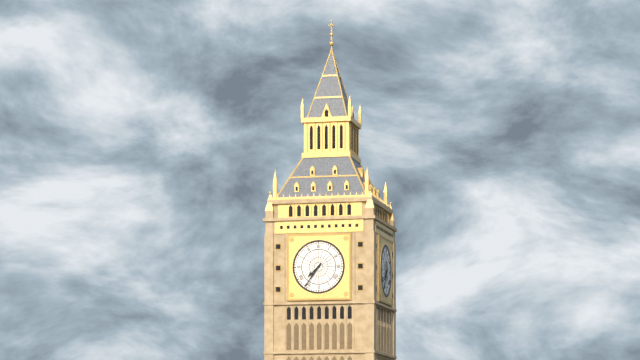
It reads **7:36**
